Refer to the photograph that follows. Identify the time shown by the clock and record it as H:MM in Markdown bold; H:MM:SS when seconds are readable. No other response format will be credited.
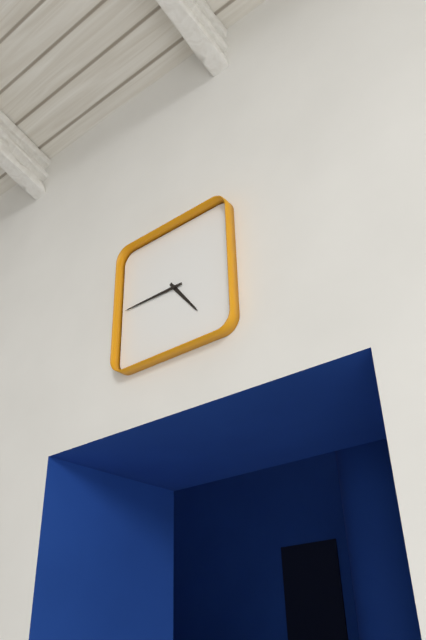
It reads **4:45**
